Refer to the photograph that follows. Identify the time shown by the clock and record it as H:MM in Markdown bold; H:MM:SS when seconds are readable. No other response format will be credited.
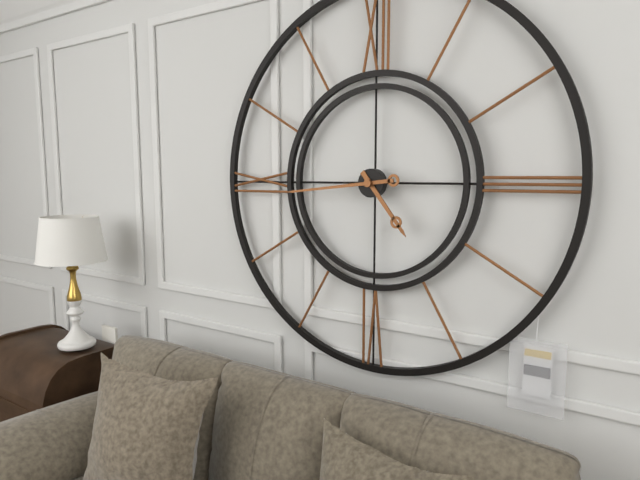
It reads **4:44**
